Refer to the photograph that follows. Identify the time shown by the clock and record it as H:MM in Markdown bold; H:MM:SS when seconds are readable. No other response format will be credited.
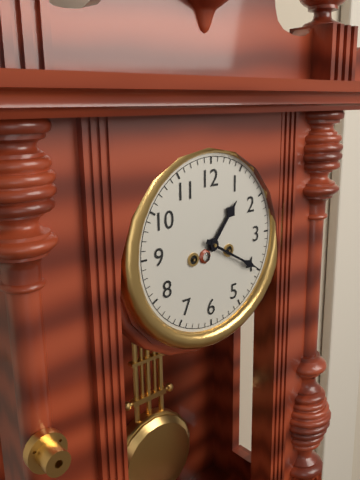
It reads **1:20**
